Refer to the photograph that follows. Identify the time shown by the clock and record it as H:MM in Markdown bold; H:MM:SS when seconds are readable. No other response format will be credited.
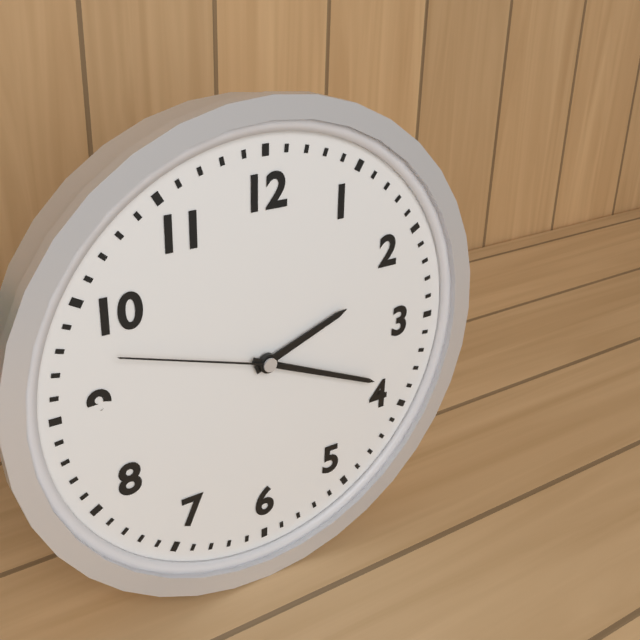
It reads **2:19:48**
